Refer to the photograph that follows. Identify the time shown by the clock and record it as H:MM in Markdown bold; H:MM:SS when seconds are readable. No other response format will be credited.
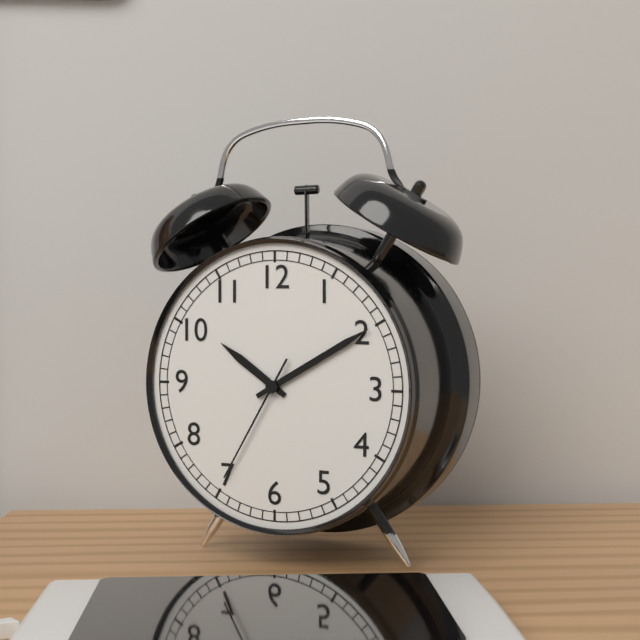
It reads **10:10:35**
